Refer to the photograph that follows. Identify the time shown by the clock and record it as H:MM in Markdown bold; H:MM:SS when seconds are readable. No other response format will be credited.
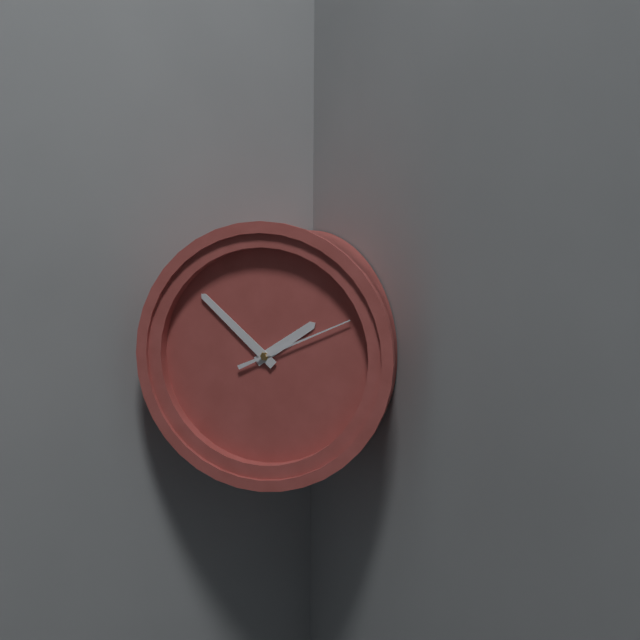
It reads **1:52:11**
